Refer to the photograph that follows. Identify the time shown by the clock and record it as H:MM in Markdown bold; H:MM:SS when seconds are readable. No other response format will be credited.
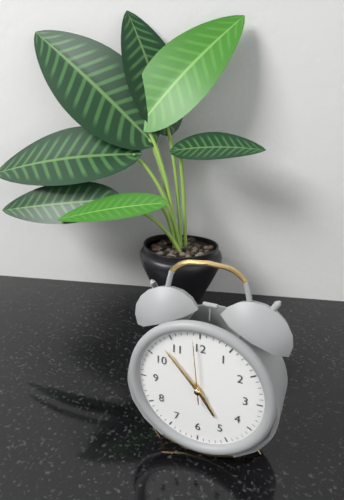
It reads **4:53:59**
